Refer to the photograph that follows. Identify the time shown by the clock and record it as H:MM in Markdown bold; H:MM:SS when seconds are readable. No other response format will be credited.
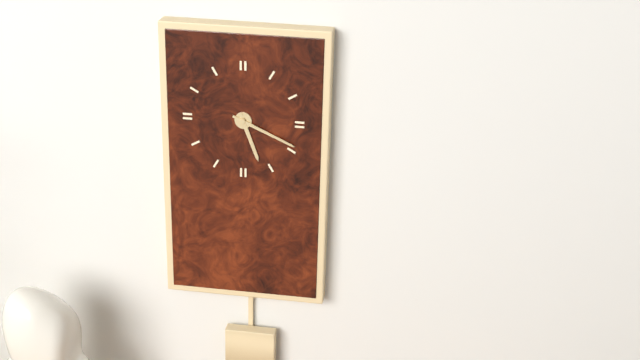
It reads **5:19**
